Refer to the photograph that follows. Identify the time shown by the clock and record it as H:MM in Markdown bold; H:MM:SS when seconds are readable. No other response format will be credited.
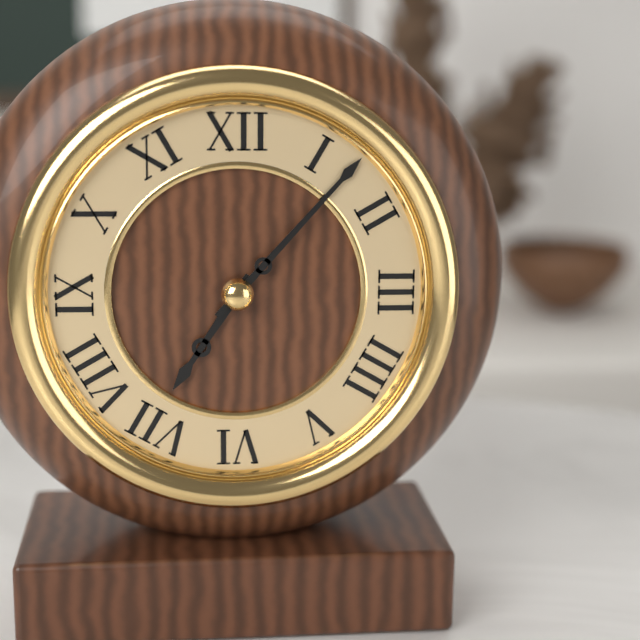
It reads **7:07**
